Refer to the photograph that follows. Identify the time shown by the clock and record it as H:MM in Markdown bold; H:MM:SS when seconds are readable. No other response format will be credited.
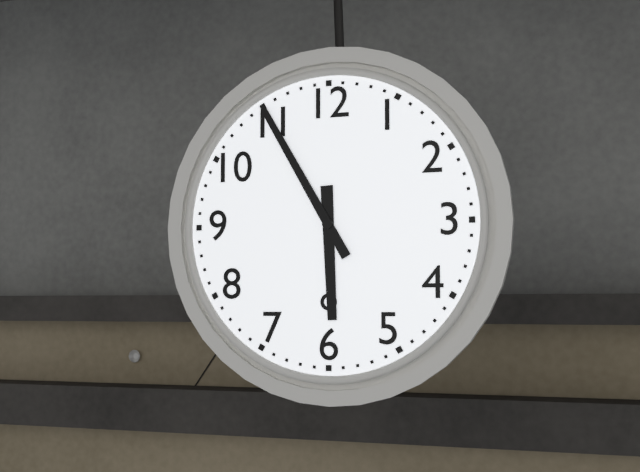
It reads **5:55**
